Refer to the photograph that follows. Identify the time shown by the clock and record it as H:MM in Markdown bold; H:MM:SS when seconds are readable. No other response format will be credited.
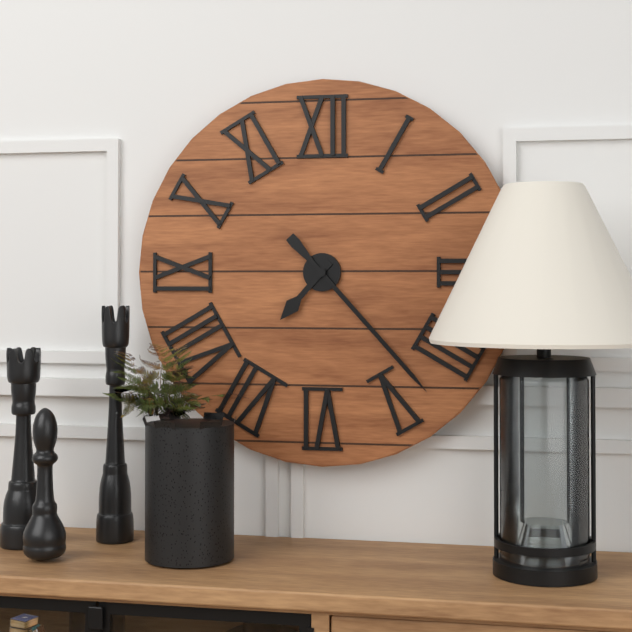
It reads **7:23**
